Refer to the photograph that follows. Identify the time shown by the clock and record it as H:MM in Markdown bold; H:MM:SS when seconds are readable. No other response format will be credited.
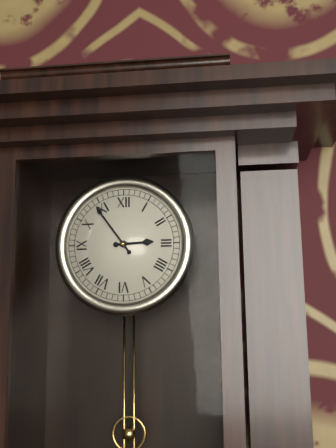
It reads **2:54**
